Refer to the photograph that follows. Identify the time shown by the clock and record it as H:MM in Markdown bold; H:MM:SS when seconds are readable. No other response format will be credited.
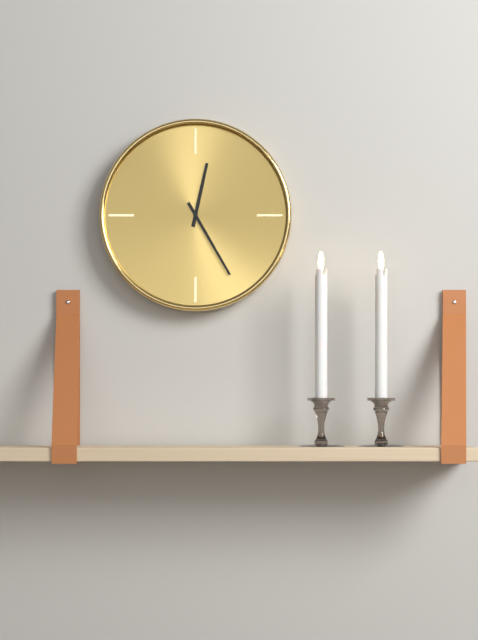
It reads **12:25**
